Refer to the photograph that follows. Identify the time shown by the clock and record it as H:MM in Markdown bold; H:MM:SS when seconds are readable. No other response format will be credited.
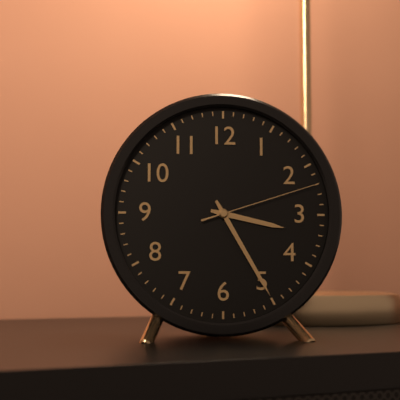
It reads **3:25:12**
